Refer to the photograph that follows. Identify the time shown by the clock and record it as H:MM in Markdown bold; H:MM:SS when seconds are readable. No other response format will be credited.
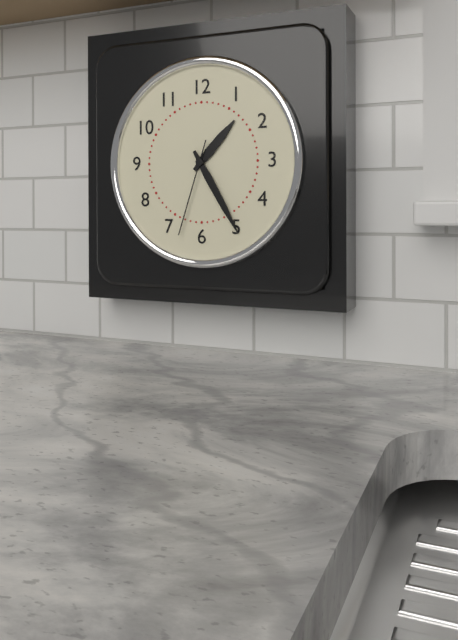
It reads **1:25:33**
